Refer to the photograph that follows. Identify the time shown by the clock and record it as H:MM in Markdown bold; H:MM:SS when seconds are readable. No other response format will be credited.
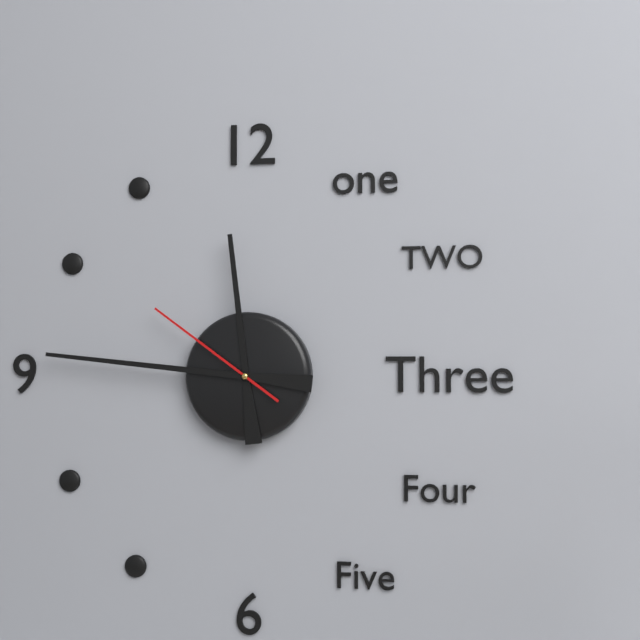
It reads **11:46:51**
